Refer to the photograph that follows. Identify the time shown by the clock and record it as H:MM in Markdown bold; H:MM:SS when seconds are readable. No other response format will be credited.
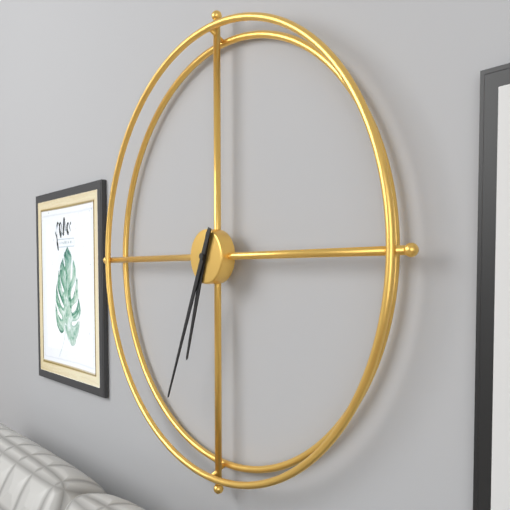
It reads **6:34**
